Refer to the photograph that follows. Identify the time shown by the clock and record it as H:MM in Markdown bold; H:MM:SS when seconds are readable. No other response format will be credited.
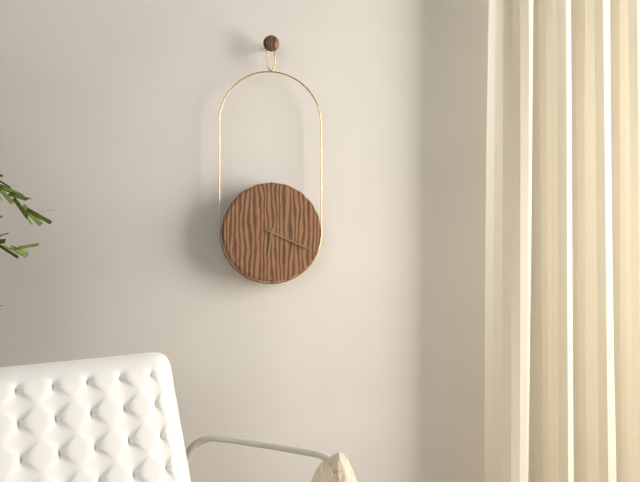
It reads **6:19**
